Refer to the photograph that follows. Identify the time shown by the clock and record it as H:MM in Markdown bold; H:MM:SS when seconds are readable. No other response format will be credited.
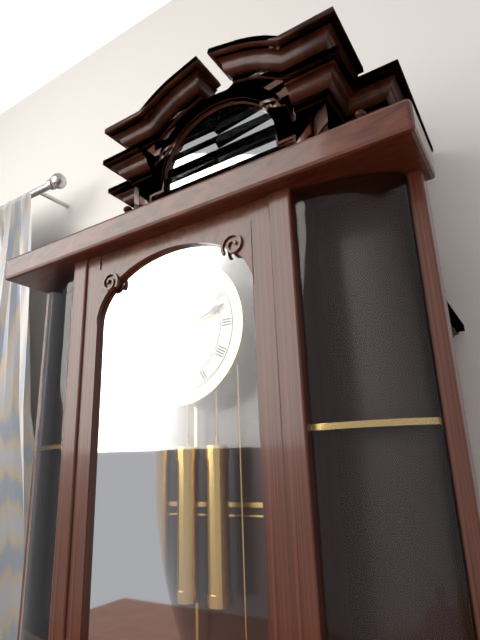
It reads **9:12**
